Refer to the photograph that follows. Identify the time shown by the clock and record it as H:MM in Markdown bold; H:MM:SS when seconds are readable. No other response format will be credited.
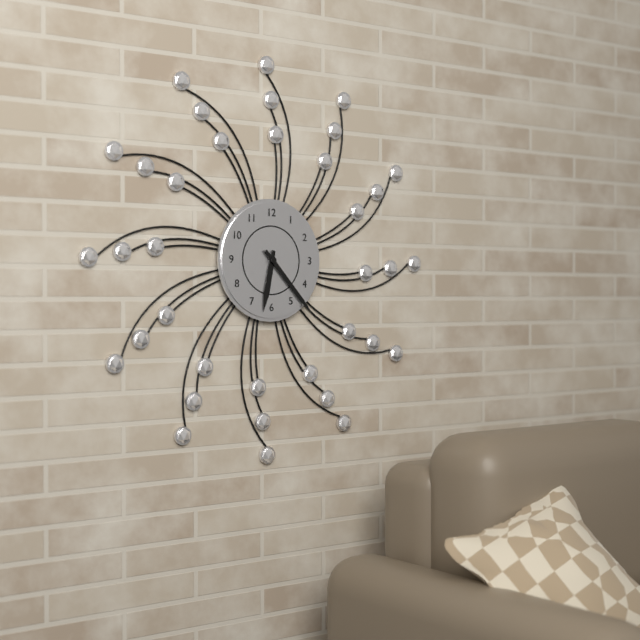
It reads **6:23**
